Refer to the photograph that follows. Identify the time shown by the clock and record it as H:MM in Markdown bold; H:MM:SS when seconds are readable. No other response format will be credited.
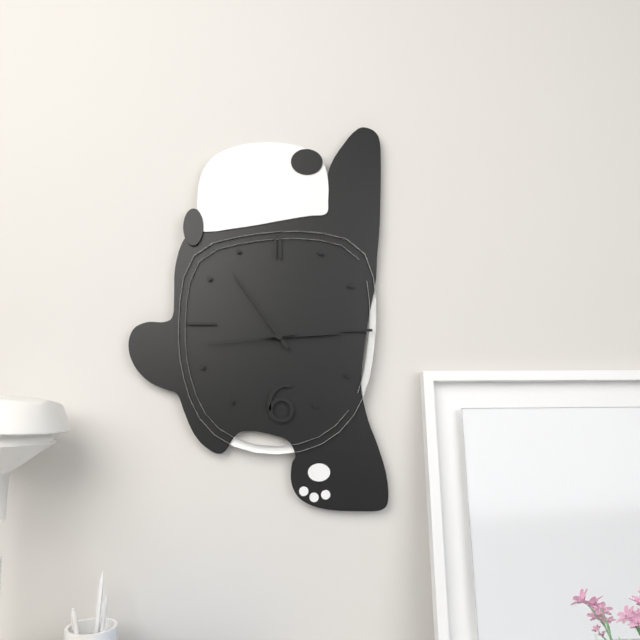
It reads **2:54:44**
